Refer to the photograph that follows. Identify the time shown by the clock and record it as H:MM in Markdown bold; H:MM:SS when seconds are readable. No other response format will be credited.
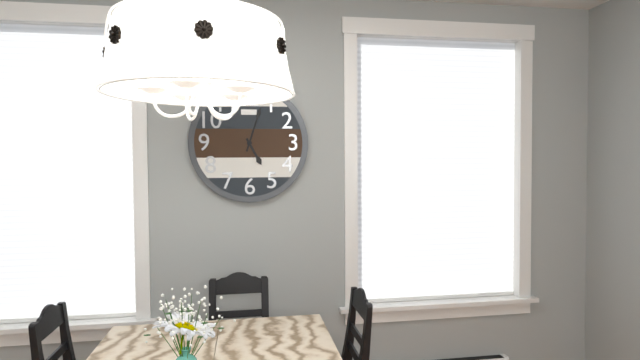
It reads **5:03**
